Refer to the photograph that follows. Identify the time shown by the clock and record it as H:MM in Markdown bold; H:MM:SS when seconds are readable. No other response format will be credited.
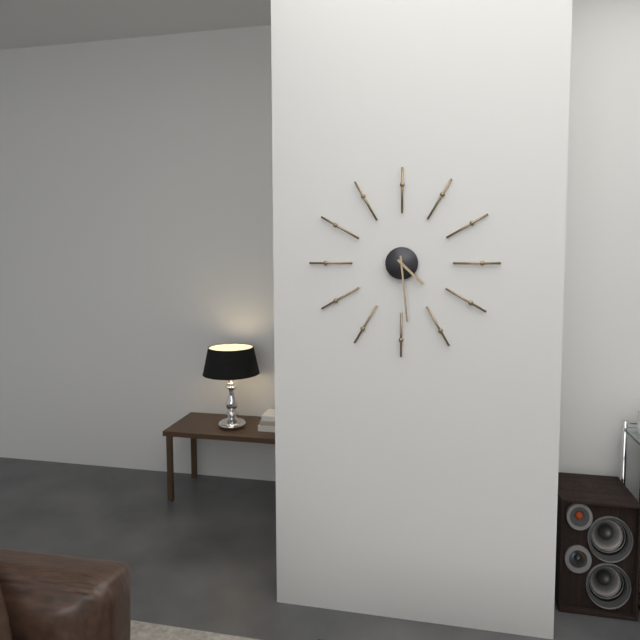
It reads **4:29**
